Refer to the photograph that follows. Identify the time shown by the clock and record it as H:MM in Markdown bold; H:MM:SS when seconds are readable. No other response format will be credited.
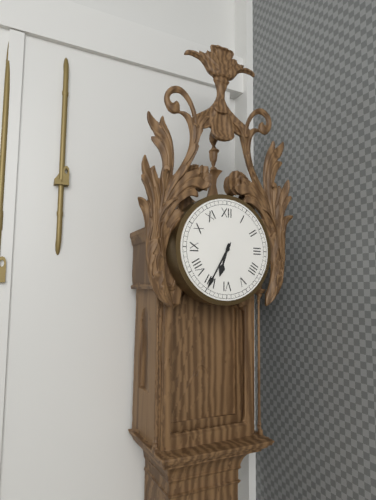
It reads **6:35**
